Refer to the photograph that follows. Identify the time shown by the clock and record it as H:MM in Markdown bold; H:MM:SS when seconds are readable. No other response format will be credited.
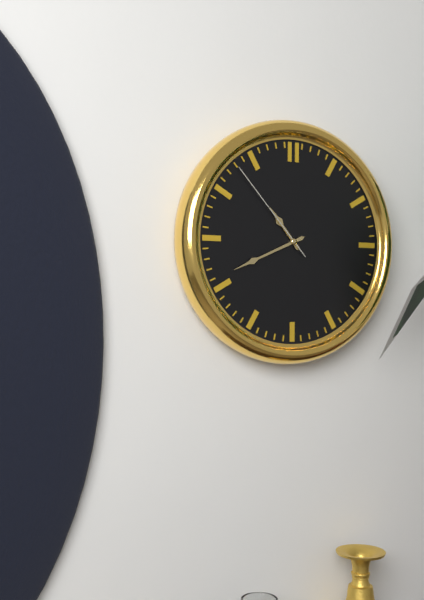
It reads **10:41:53**
